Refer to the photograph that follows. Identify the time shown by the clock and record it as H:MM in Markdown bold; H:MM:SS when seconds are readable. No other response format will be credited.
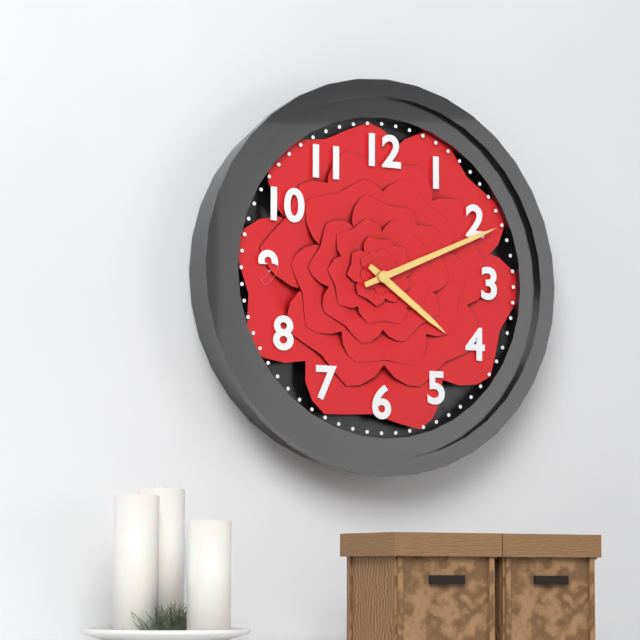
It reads **4:11**
